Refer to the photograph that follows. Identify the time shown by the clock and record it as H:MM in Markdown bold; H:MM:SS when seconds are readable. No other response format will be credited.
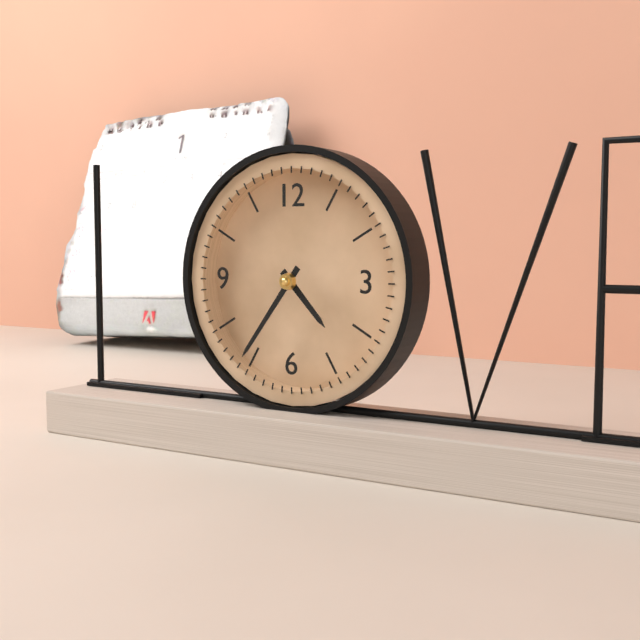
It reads **4:36**
